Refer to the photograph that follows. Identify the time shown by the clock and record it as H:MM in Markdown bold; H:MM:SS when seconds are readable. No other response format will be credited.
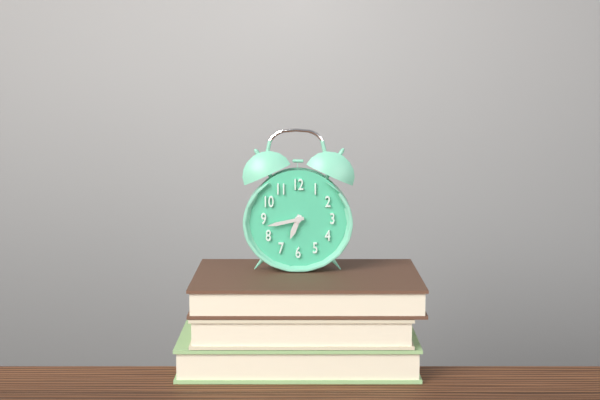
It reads **6:43**
